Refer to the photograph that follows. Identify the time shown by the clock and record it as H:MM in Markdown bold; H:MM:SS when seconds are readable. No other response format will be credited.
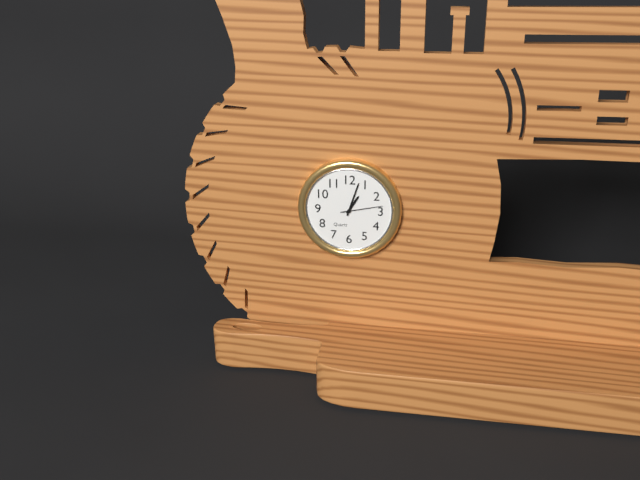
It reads **1:03**
